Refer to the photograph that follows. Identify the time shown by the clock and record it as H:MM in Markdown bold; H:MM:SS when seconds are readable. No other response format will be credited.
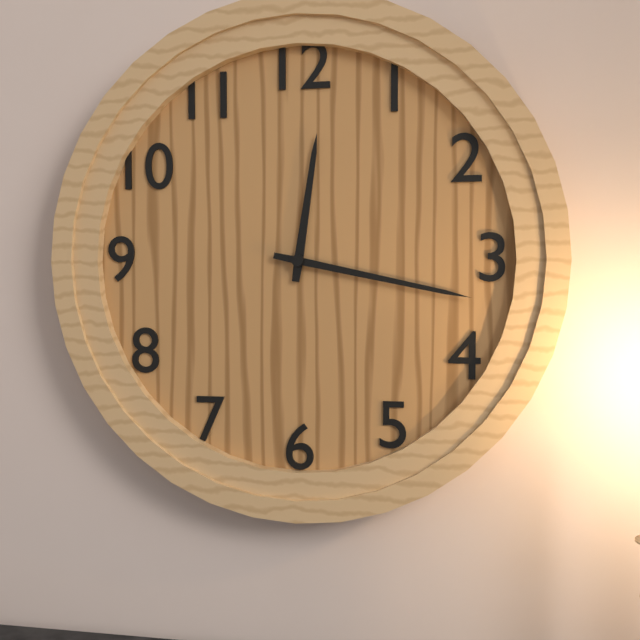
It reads **12:17**
